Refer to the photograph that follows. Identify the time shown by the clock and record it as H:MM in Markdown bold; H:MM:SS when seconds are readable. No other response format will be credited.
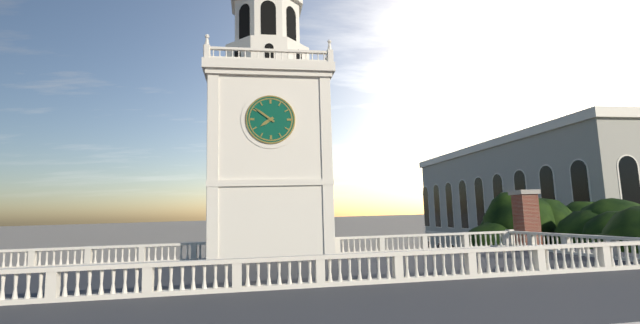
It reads **7:51**
